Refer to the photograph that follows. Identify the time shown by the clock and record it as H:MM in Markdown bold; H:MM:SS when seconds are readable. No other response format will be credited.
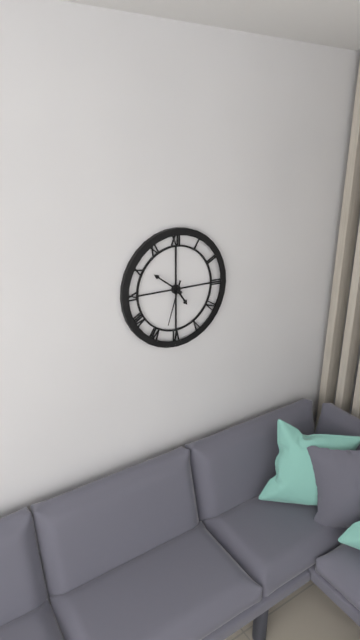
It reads **4:51**
